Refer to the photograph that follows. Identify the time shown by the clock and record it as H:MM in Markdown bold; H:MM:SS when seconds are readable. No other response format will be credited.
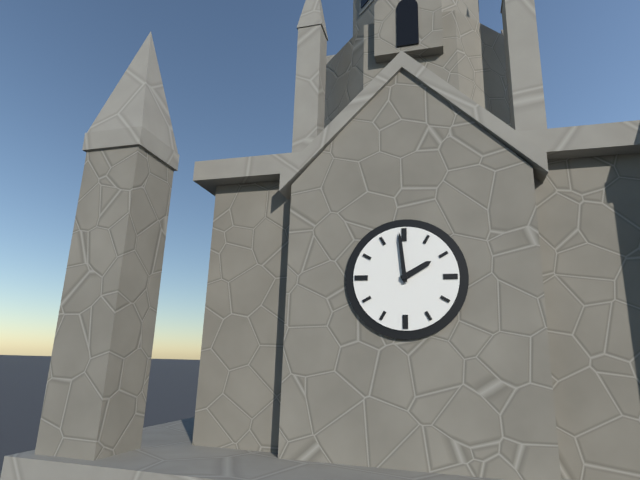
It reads **1:59**
